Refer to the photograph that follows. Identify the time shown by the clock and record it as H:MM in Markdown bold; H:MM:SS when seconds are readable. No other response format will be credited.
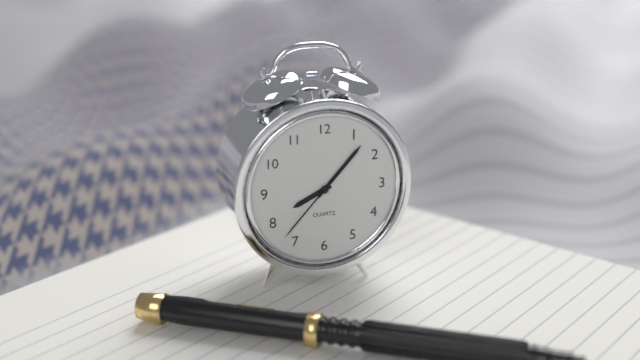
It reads **8:07:37**
